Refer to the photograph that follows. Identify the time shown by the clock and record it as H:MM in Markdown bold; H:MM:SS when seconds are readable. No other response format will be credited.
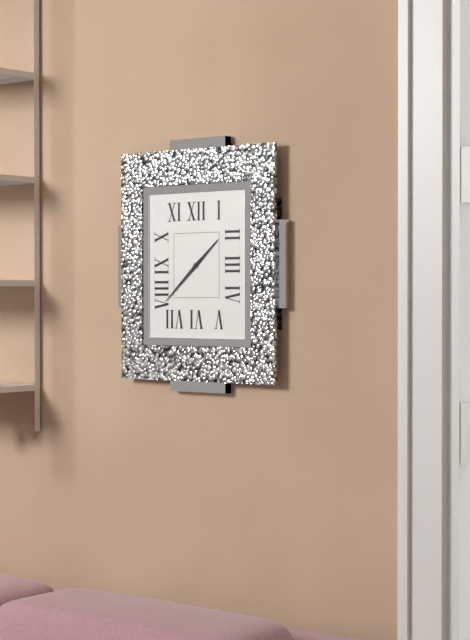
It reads **1:38**
